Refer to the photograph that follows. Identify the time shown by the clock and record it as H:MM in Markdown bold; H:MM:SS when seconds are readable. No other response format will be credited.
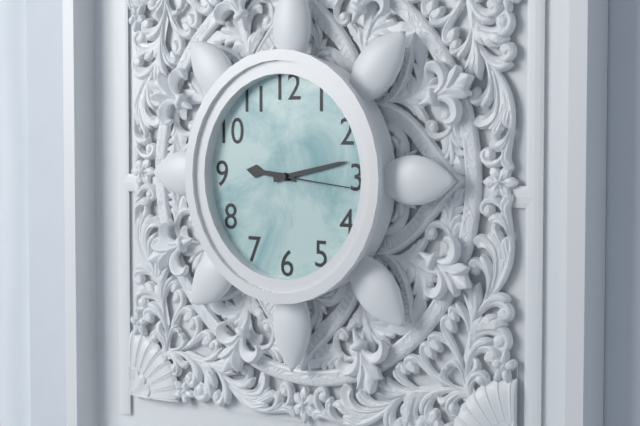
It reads **9:13:16**
